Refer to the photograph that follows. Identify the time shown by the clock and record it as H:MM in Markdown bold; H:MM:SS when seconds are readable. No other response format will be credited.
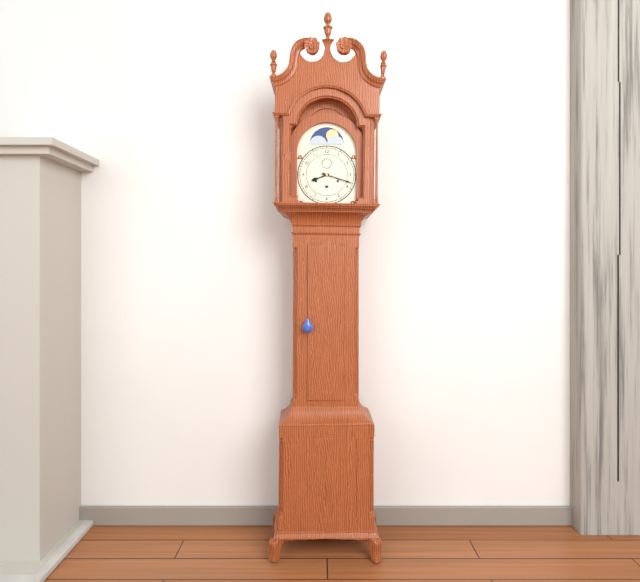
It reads **8:18**
